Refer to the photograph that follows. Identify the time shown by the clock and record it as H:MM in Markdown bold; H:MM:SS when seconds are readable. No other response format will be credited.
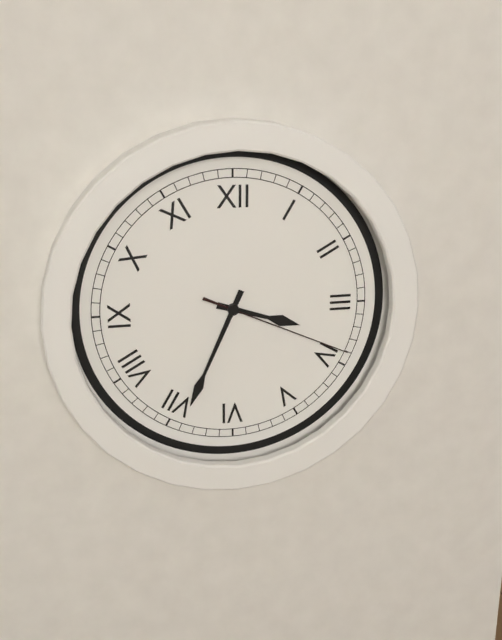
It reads **3:34:19**
